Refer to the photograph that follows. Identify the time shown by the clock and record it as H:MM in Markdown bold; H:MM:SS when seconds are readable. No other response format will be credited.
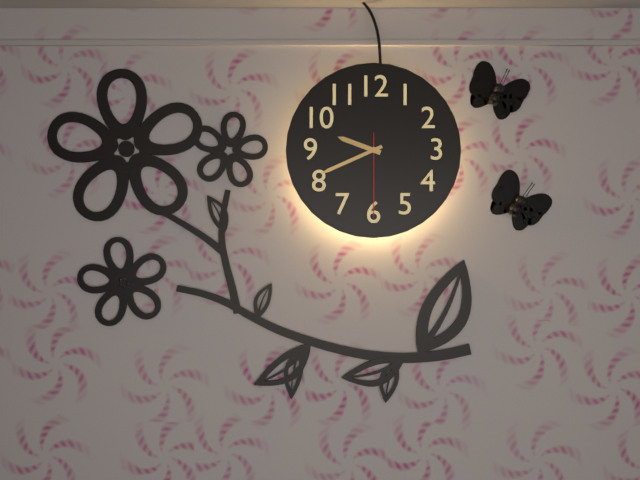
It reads **9:41:30**
